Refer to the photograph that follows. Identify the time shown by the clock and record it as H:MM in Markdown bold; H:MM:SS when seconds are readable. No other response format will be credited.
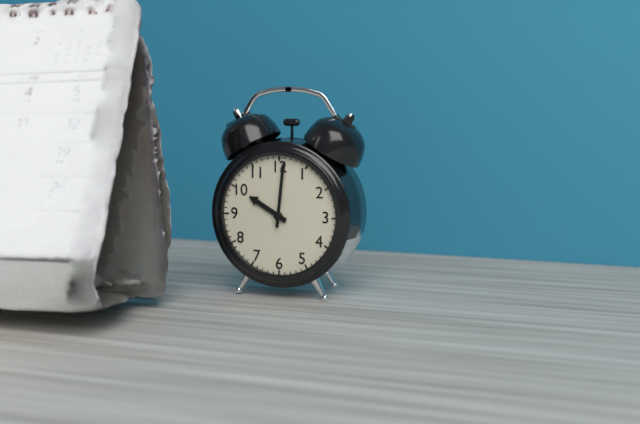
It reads **10:01**
